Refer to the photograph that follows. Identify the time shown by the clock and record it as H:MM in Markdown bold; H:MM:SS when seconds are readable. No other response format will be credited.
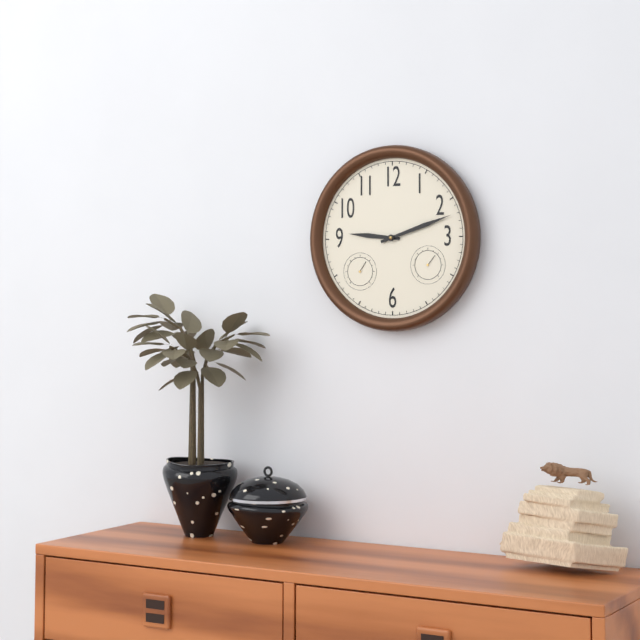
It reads **9:12**
